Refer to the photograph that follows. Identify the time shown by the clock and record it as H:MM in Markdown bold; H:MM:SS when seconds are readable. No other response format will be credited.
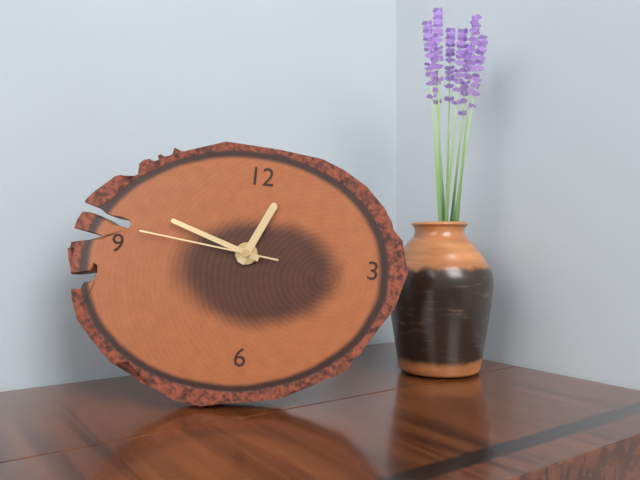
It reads **12:48:46**
